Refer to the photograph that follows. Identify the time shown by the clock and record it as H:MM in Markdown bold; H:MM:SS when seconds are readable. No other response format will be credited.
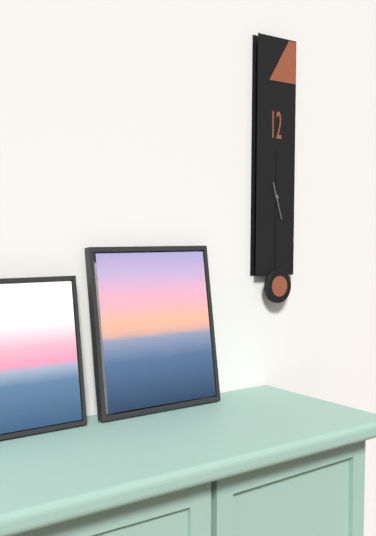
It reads **11:27**
